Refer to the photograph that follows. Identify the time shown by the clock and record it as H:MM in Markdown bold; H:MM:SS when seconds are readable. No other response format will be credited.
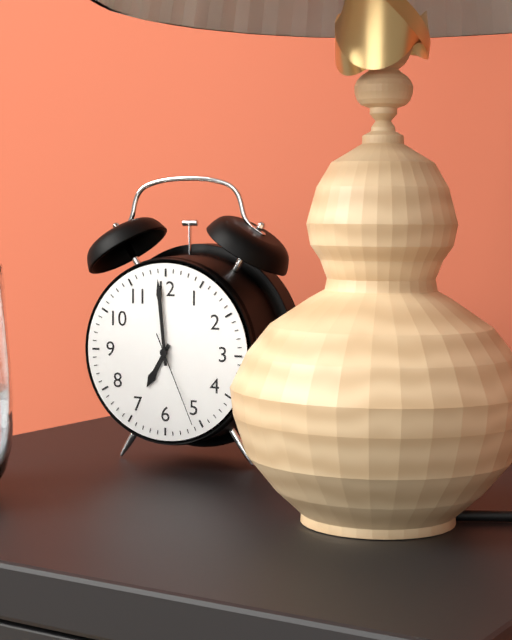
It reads **6:59:26**
